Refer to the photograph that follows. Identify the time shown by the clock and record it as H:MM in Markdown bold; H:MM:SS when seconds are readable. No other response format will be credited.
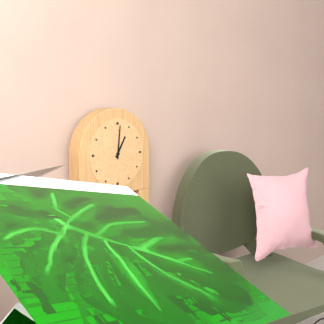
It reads **1:01**
